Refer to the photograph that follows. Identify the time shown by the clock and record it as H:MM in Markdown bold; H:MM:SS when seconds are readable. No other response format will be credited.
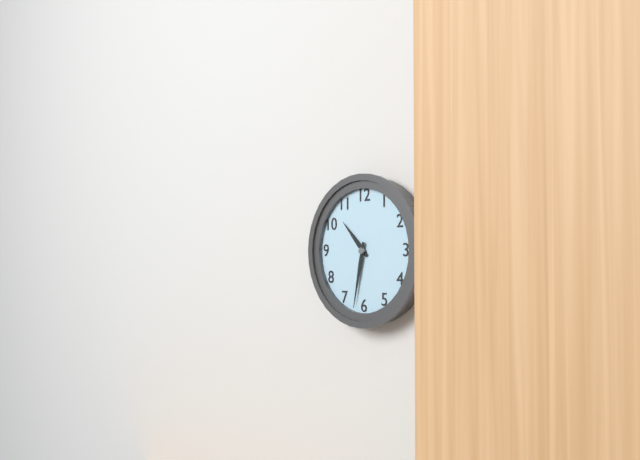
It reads **10:32**
